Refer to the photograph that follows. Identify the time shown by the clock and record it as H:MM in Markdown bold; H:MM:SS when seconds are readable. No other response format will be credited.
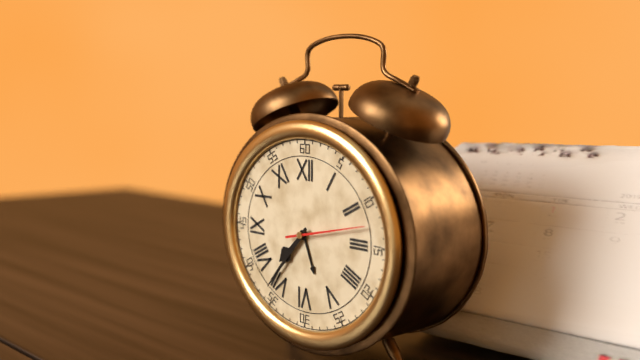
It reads **7:37:13**
